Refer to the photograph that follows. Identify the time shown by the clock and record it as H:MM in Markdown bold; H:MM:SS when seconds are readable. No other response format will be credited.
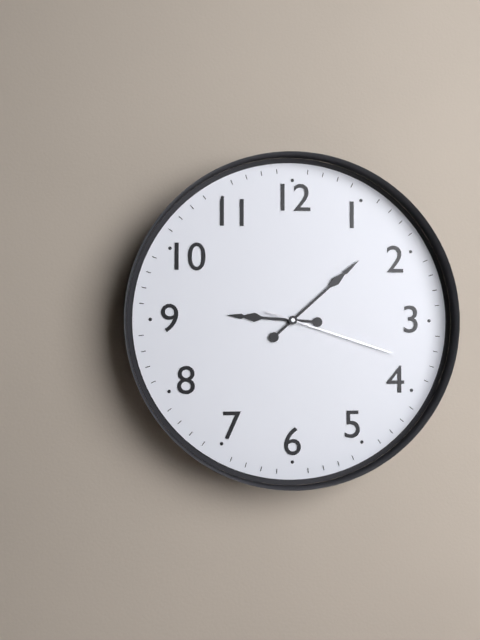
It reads **9:08:18**
